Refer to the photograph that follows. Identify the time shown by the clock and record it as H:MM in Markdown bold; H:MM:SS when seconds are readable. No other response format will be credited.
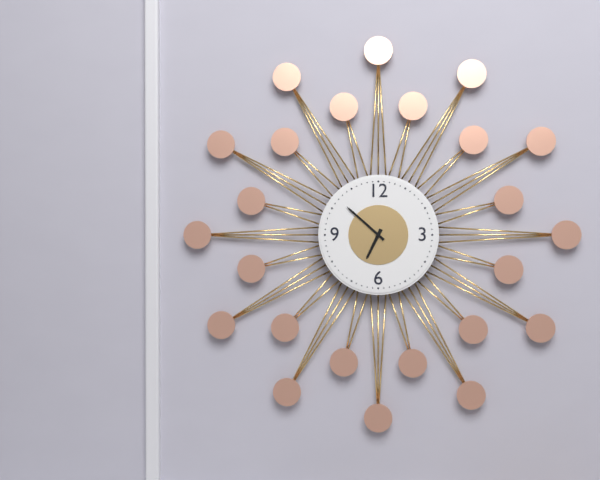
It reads **6:52**
